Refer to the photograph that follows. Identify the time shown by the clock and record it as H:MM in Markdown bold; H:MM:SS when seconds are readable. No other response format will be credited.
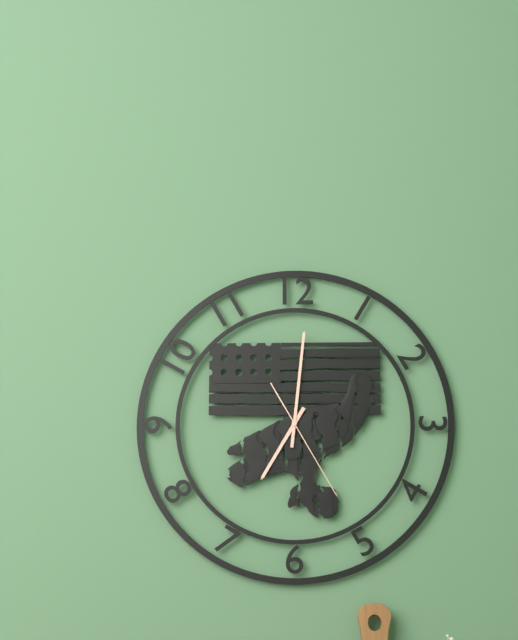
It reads **7:01:25**
